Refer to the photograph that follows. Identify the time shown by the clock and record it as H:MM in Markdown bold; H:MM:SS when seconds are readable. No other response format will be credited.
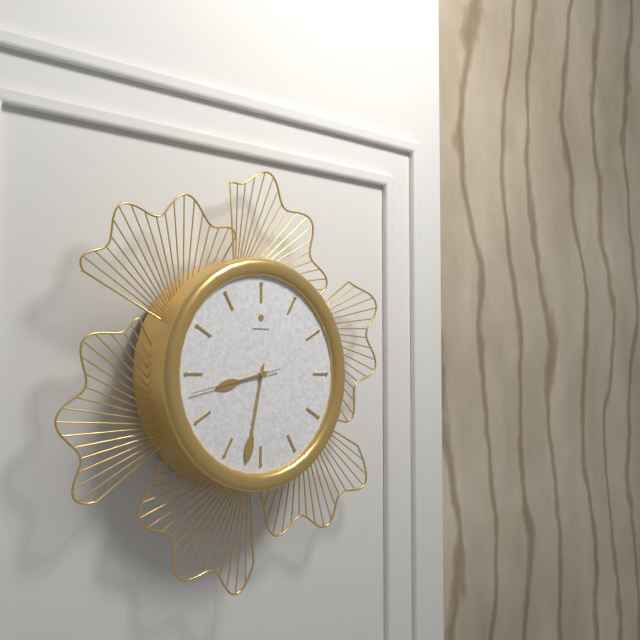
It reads **8:32:43**
